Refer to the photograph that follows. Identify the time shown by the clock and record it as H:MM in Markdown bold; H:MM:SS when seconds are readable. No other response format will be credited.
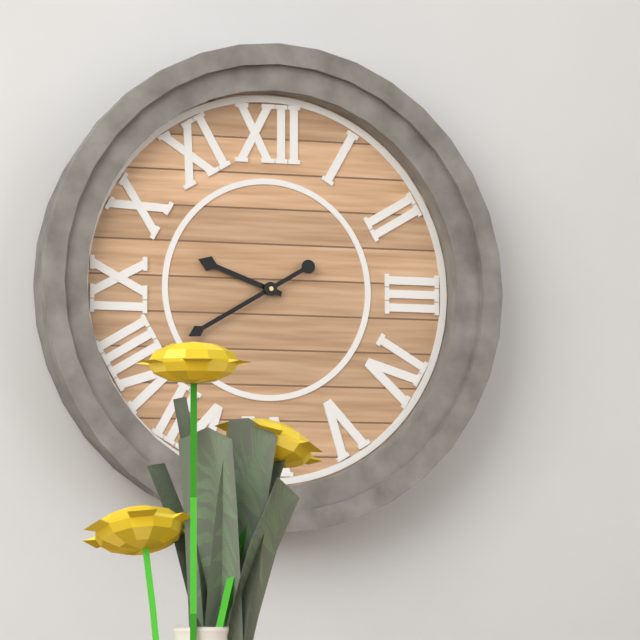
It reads **9:40**
